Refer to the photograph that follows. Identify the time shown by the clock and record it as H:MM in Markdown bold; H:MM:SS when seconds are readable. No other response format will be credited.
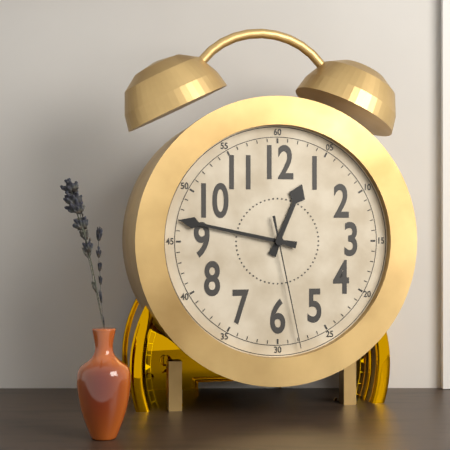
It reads **12:47:28**
